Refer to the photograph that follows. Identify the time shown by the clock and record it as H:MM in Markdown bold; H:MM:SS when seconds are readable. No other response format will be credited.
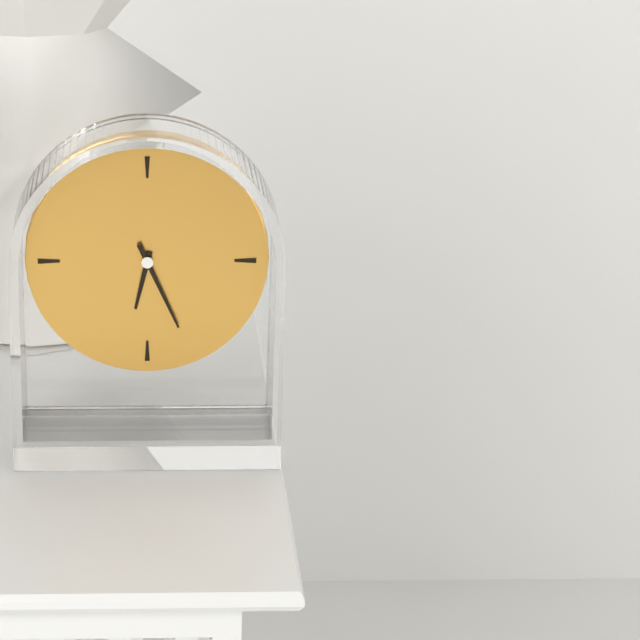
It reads **6:26**
